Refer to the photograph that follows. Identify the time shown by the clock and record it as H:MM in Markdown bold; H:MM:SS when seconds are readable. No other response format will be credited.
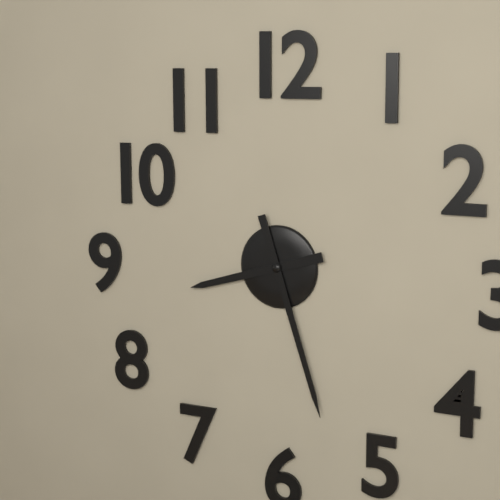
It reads **8:27**
